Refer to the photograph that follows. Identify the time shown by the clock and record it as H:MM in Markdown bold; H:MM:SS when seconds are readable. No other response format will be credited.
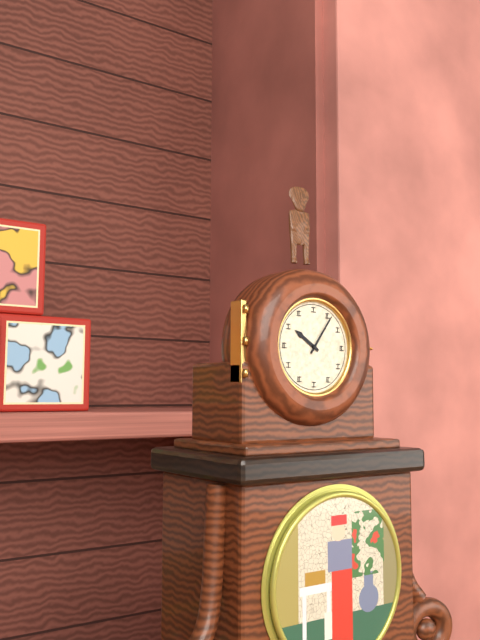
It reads **10:06**
